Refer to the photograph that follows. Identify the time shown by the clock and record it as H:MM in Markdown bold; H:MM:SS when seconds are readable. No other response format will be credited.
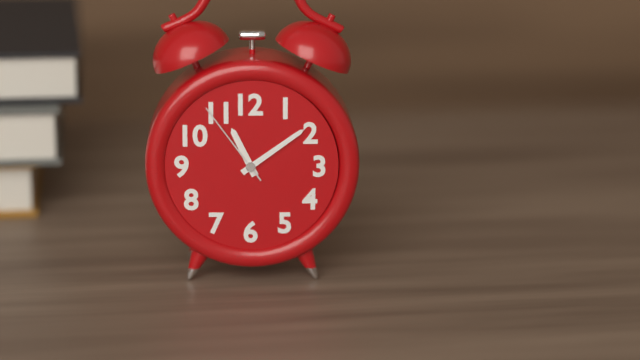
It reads **11:09:54**
